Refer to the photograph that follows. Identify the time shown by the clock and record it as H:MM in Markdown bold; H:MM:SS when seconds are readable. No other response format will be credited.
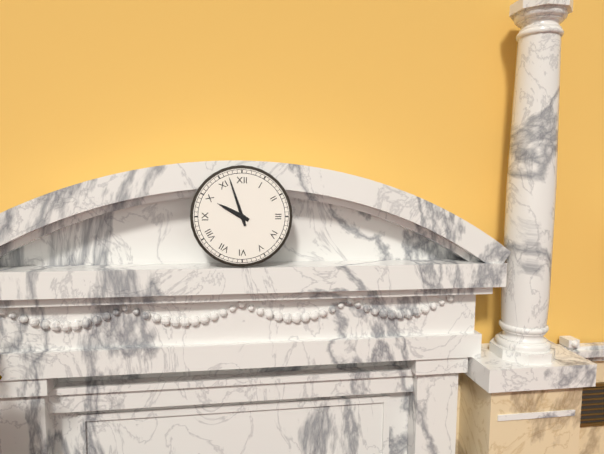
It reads **9:57**
